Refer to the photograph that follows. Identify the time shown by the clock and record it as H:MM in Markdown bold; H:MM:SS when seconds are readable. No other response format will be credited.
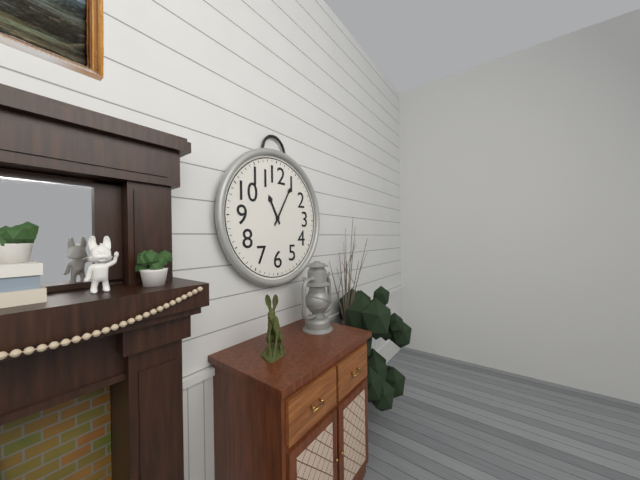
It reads **11:05**
